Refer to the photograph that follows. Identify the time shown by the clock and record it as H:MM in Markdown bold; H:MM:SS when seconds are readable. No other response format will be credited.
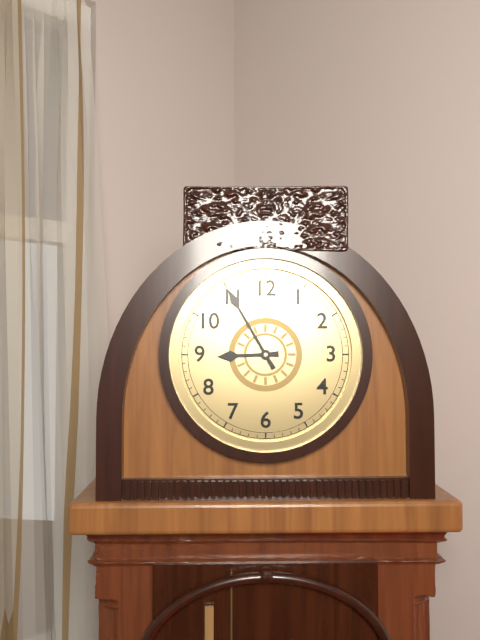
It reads **8:55**
